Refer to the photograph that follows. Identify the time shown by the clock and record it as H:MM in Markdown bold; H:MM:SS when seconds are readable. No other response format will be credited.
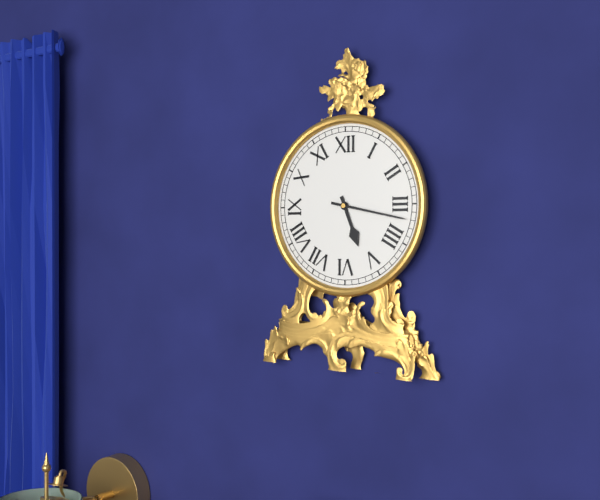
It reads **5:17**
